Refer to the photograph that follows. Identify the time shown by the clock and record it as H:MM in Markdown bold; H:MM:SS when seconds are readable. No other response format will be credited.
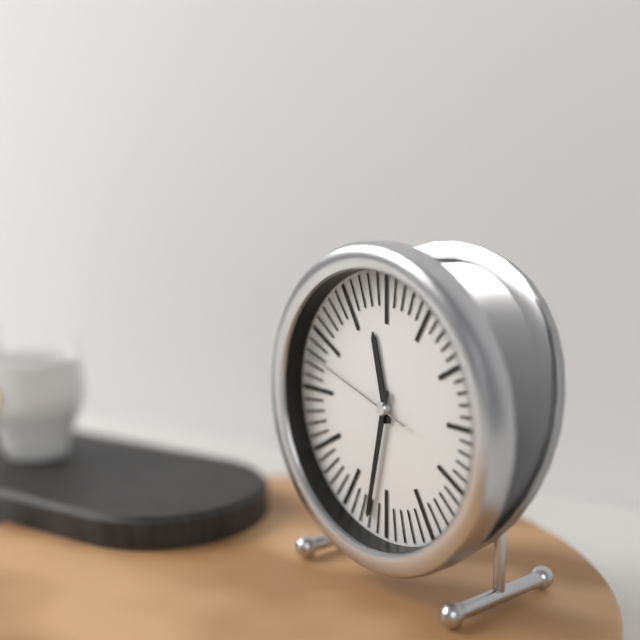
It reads **11:32:48**
